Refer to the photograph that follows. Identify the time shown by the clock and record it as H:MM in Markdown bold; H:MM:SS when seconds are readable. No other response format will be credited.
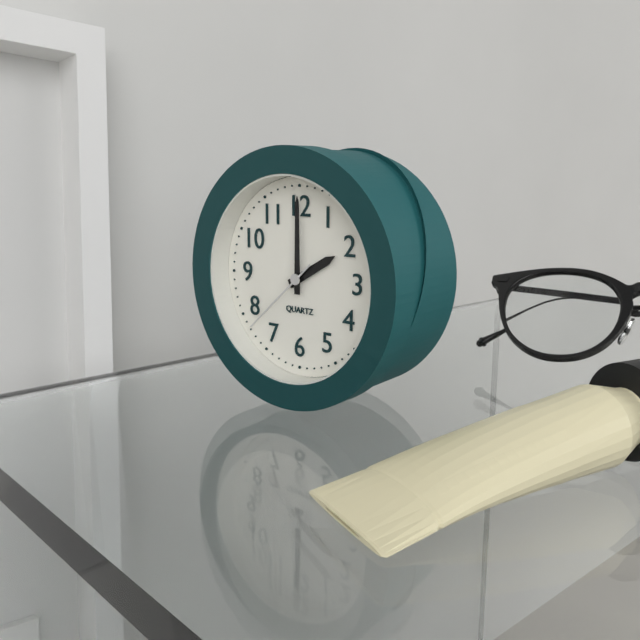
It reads **2:00:38**
